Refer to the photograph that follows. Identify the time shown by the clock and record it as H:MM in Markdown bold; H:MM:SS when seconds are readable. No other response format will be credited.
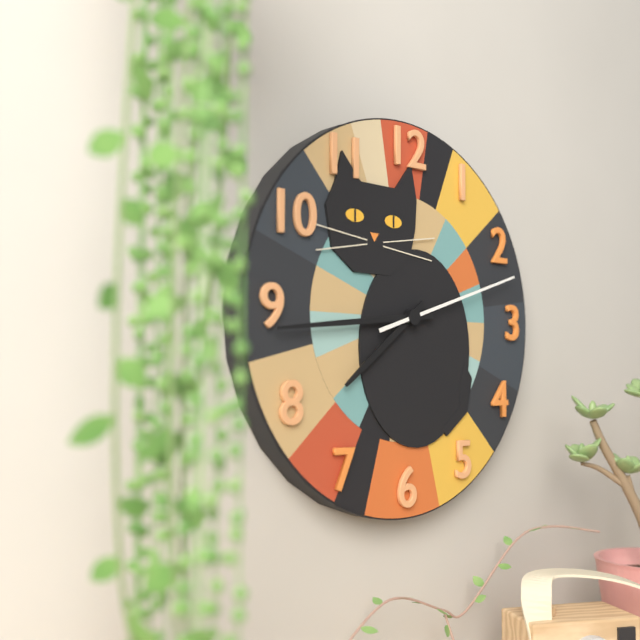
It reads **7:44:12**
